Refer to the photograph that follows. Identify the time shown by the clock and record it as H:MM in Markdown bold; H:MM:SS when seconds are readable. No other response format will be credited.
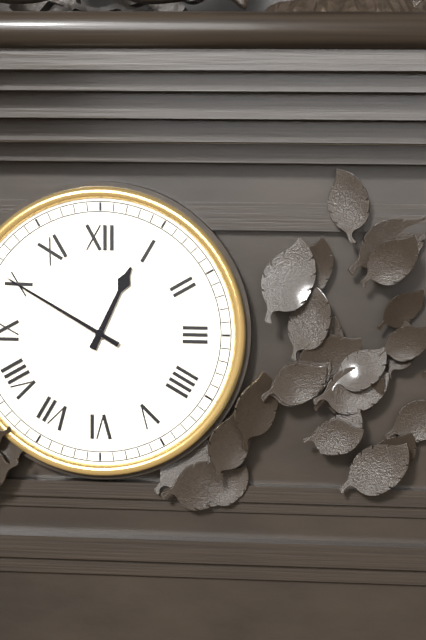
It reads **12:50**
